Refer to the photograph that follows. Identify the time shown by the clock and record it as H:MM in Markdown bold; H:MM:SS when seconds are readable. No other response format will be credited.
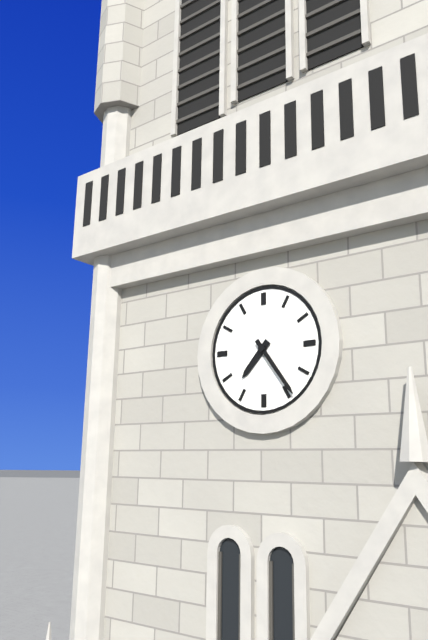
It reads **7:24**
